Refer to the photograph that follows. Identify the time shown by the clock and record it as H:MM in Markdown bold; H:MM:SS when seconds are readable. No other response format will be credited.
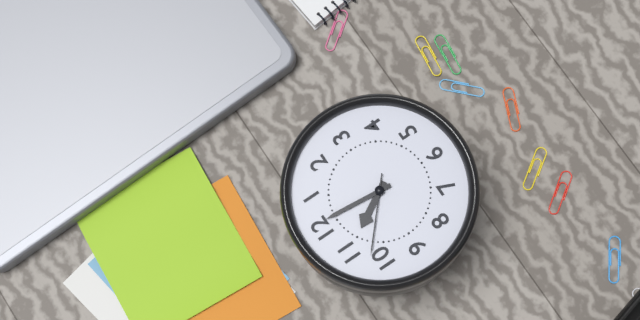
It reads **11:01:52**
